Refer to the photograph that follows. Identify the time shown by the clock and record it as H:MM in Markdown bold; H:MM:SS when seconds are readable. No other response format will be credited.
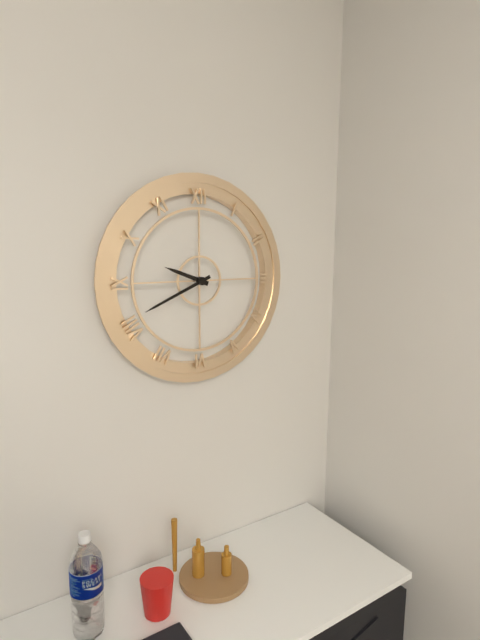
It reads **9:41**
